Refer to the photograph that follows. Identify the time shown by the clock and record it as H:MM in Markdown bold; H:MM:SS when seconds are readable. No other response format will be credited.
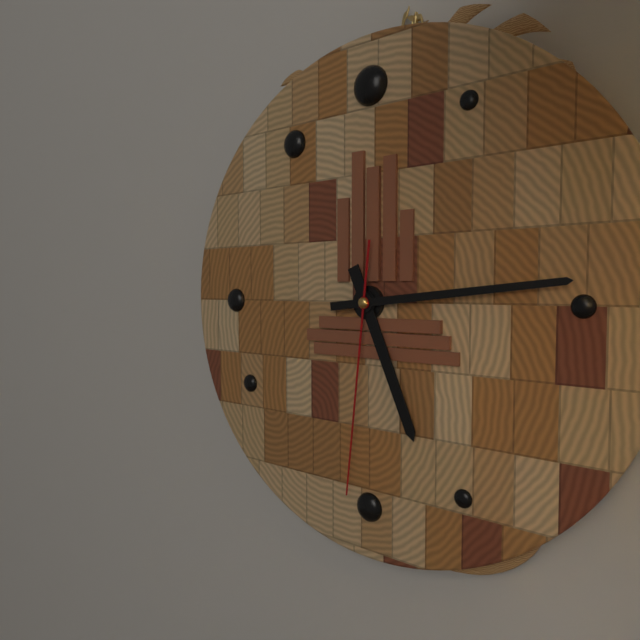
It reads **5:14:31**
